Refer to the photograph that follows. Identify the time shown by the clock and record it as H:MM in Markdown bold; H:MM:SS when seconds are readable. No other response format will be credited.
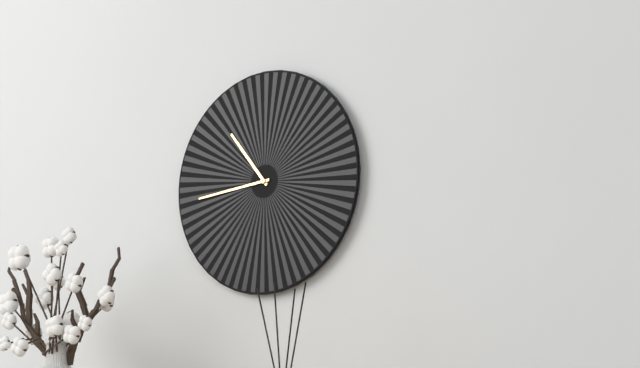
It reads **10:44**
